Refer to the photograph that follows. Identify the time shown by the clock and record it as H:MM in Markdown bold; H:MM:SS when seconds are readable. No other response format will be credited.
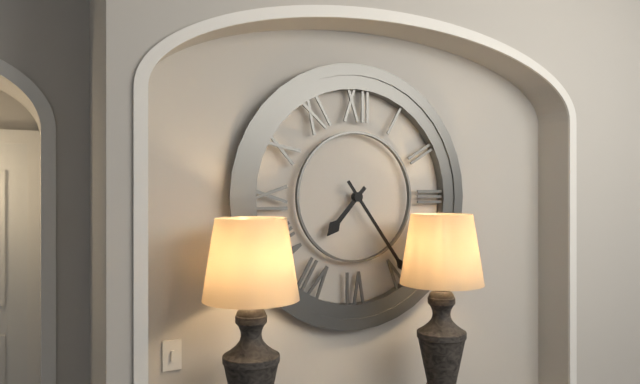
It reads **7:24**
